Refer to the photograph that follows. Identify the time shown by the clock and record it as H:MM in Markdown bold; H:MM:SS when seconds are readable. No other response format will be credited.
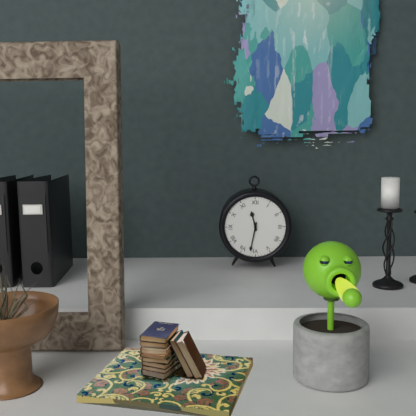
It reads **11:32**
